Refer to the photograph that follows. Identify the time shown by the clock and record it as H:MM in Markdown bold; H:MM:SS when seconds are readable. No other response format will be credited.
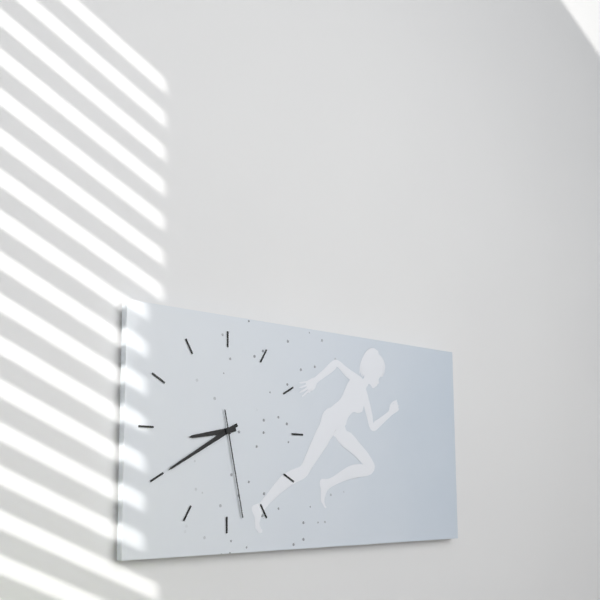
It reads **8:40:28**
